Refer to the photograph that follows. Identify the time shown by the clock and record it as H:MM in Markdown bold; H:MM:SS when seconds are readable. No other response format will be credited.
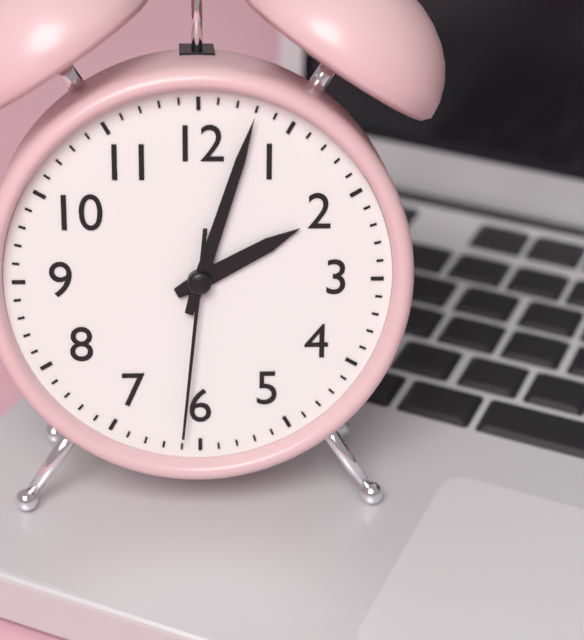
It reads **2:03:31**
